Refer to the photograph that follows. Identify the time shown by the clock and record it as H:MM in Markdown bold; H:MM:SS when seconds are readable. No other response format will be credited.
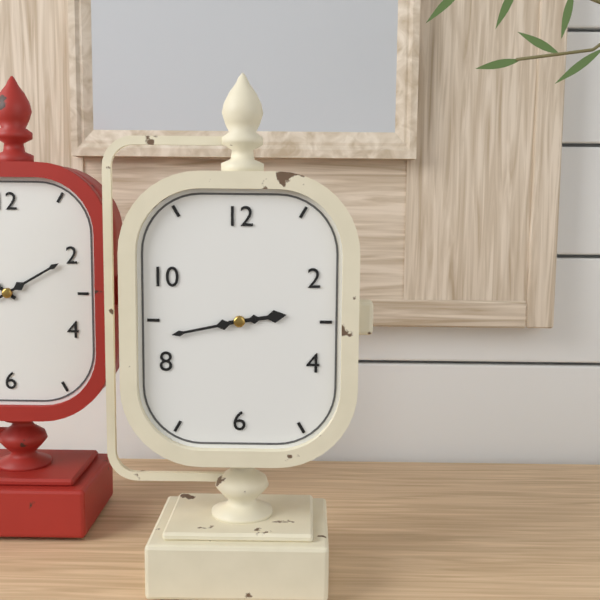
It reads **2:43**
